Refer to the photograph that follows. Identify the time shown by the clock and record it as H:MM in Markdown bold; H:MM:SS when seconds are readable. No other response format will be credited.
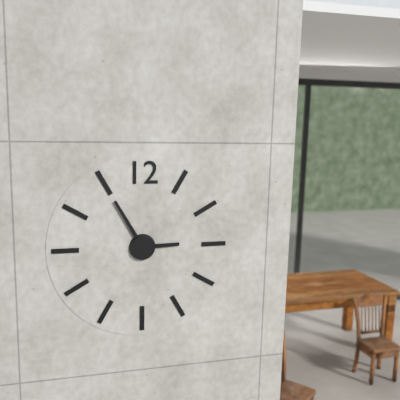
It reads **2:55**
